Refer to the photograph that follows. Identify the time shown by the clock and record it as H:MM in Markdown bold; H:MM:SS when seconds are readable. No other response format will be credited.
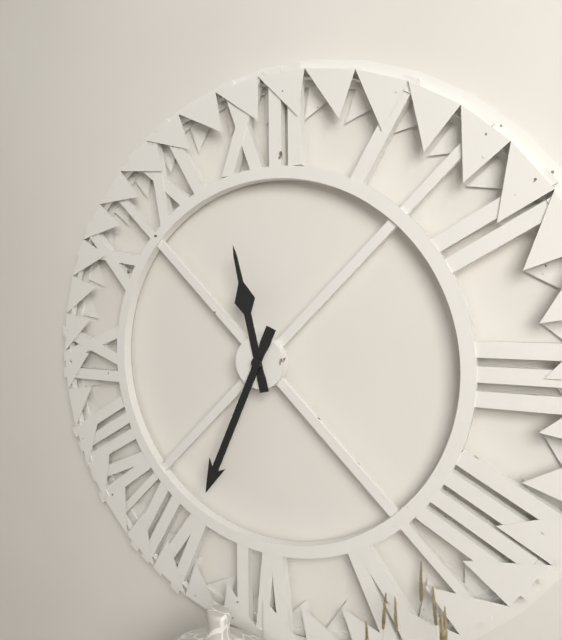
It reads **11:34**
